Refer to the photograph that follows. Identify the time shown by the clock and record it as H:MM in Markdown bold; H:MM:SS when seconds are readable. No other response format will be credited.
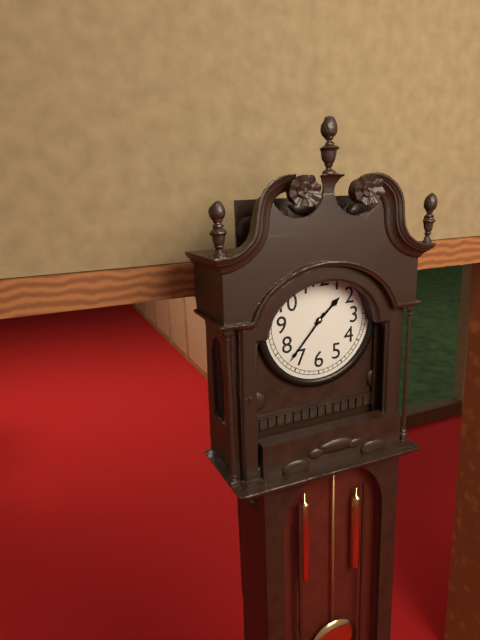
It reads **1:37**
